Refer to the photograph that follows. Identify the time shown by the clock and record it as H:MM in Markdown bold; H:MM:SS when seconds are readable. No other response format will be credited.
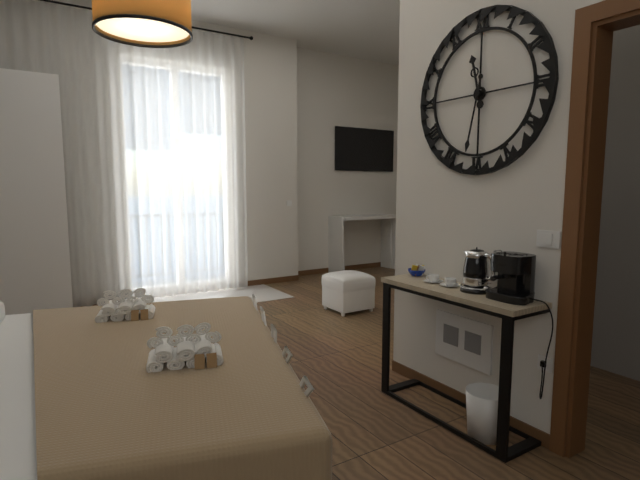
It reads **11:32**
